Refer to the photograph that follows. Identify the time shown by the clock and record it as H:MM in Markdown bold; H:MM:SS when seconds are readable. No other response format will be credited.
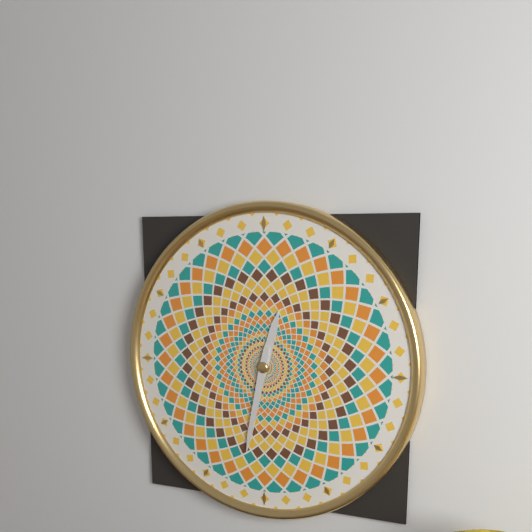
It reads **12:32**
